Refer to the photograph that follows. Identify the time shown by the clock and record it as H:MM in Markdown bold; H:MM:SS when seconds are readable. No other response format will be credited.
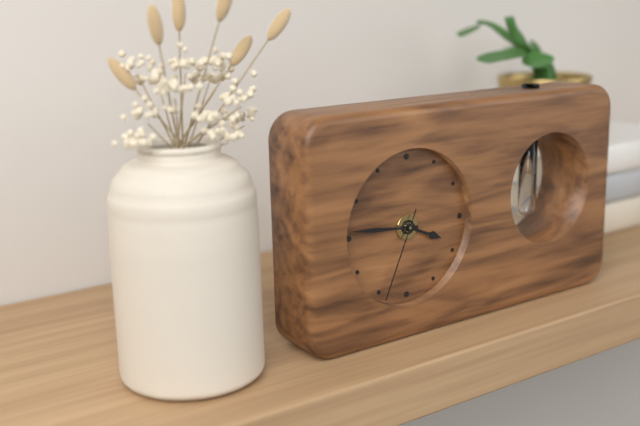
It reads **3:46:34**
